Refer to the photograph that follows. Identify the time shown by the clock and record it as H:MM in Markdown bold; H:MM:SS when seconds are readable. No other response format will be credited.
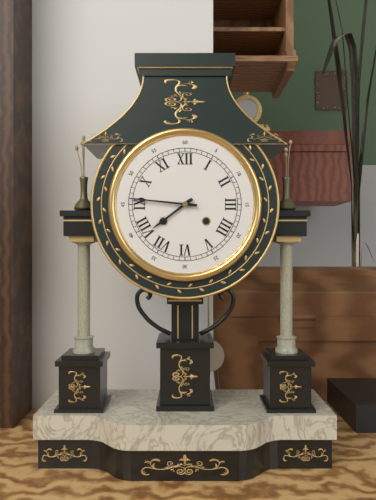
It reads **7:46**
